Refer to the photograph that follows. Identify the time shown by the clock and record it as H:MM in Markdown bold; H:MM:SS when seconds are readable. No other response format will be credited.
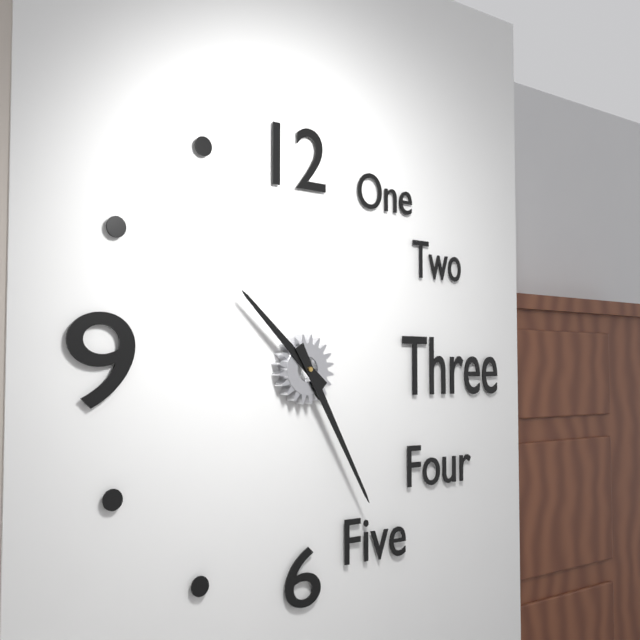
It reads **10:25**
